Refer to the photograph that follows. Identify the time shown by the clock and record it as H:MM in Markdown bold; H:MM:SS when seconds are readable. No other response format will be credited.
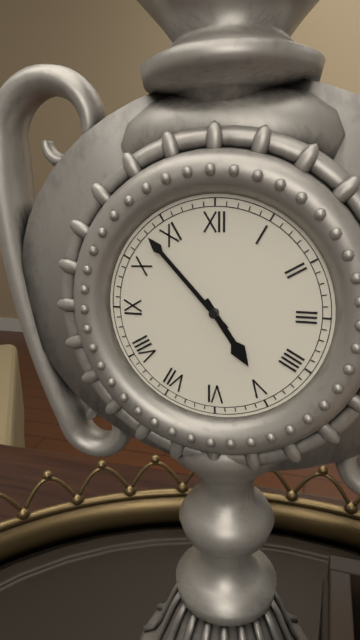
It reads **4:53**
